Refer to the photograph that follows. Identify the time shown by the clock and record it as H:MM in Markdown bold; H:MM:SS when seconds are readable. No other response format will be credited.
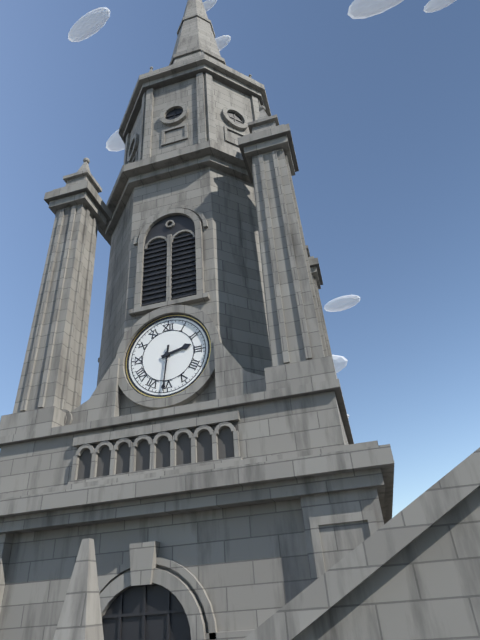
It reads **2:31**
